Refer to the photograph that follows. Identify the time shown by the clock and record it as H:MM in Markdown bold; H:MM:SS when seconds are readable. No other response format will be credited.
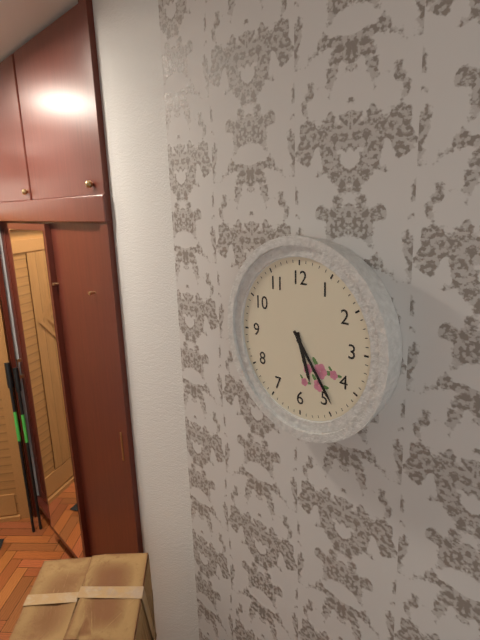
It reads **5:24**
